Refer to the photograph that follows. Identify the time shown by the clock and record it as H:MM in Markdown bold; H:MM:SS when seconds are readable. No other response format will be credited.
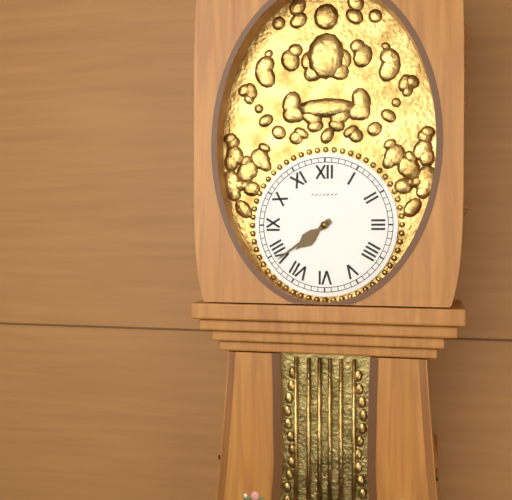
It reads **7:39**
